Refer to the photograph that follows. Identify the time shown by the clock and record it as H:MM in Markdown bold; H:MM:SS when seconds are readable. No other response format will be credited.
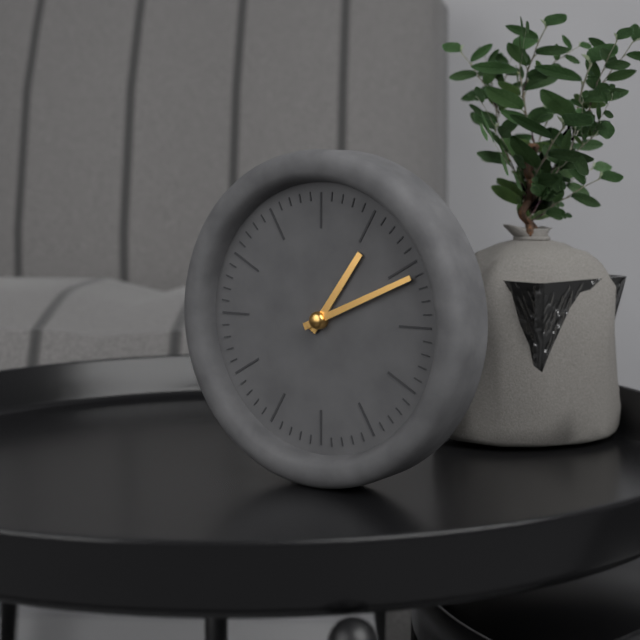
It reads **1:11**
